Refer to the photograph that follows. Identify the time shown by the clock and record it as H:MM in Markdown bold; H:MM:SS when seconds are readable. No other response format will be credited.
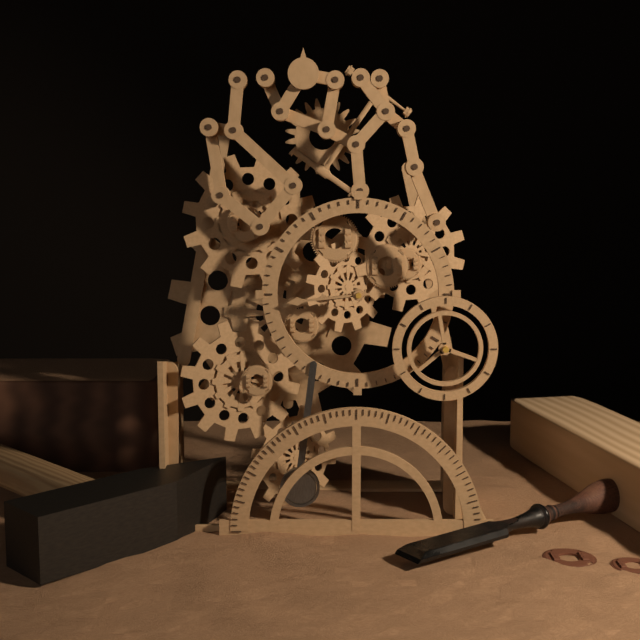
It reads **8:44**
